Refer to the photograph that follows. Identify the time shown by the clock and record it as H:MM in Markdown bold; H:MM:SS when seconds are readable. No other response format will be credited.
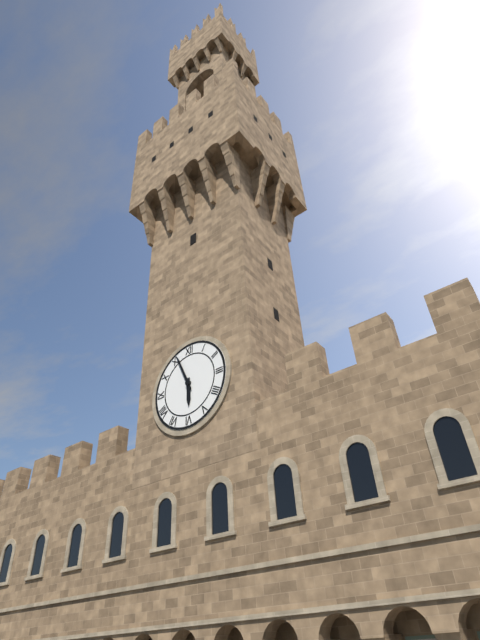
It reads **5:56**
